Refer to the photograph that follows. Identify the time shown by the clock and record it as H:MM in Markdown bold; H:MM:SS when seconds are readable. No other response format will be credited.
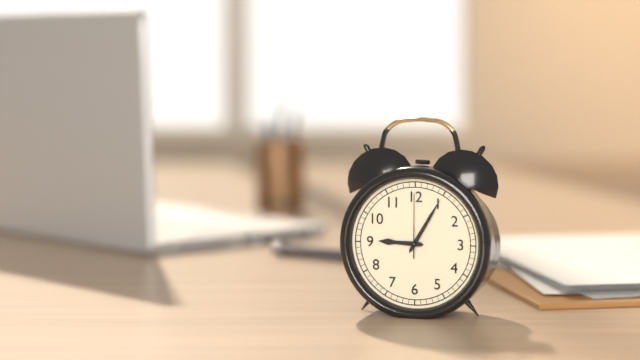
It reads **9:05:00**
